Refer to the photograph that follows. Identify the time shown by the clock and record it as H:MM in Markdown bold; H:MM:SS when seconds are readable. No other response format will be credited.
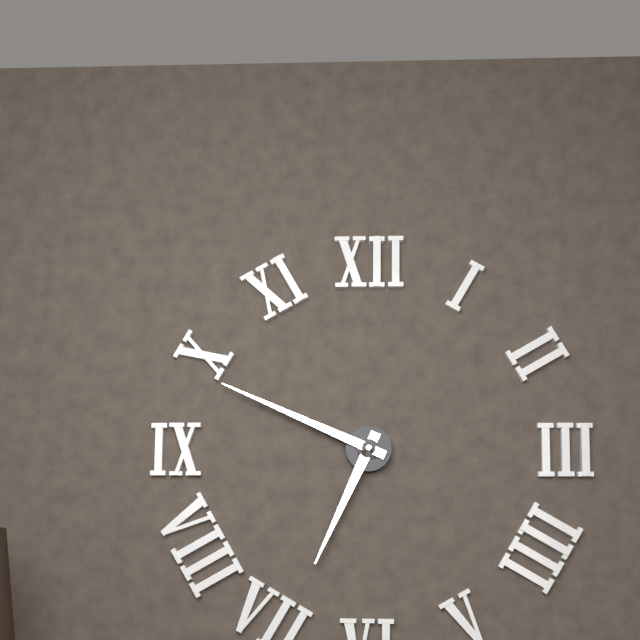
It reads **6:49**
